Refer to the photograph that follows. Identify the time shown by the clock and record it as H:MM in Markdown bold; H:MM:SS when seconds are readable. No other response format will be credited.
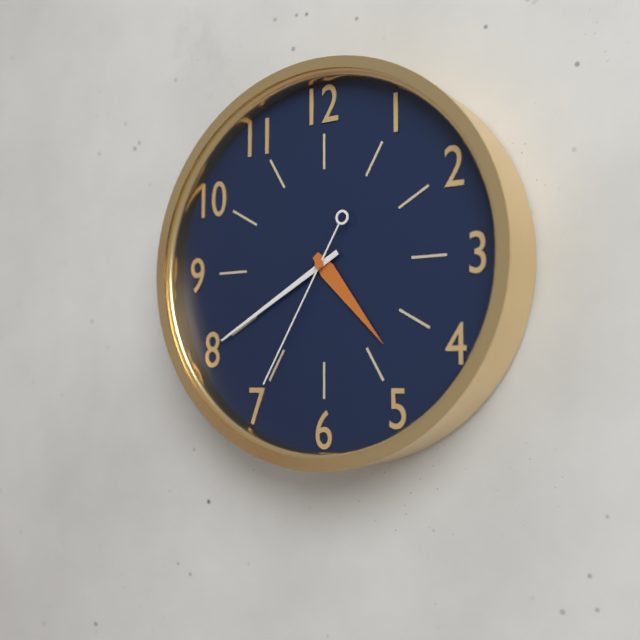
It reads **4:40:35**
